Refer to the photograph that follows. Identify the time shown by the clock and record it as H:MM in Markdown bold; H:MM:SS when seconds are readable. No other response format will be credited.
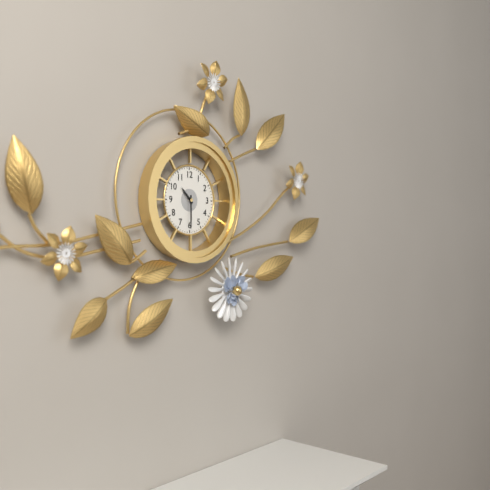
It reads **10:30**
